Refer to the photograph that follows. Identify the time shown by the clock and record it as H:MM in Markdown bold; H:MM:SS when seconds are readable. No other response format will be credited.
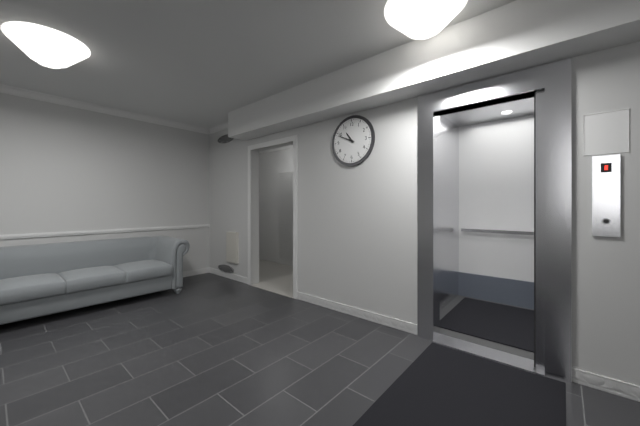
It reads **10:49**
